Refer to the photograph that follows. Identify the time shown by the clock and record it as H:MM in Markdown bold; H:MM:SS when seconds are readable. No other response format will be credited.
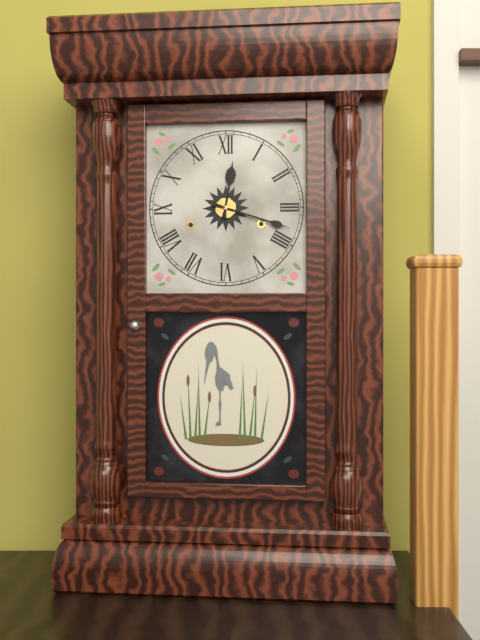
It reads **12:18**
